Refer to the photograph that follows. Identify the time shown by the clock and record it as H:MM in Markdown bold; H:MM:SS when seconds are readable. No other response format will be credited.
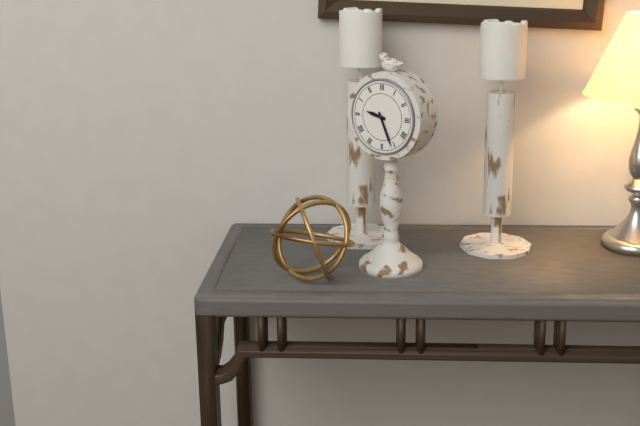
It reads **9:26**
